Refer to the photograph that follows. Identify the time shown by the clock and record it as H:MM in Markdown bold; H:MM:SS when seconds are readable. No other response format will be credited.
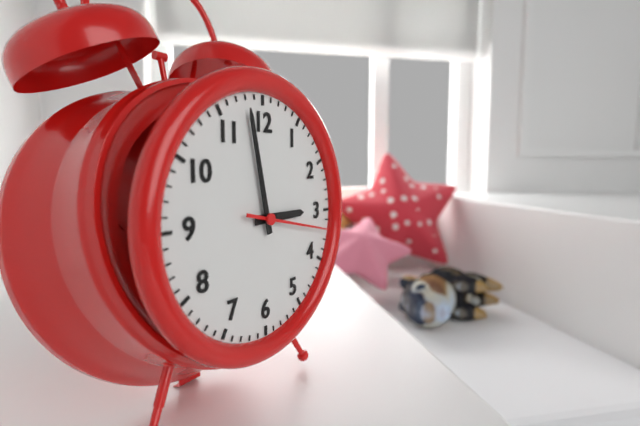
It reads **2:58:17**
